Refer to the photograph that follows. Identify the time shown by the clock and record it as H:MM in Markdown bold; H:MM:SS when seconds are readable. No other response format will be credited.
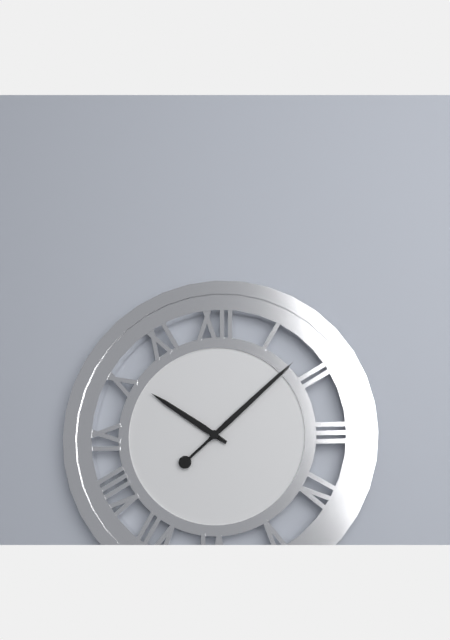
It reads **10:08**
